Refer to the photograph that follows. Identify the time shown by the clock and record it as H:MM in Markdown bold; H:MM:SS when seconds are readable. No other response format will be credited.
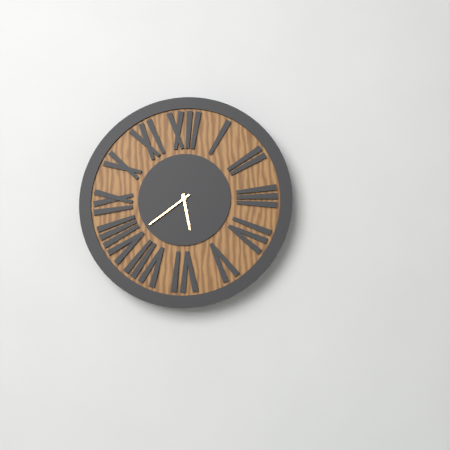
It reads **5:39**
